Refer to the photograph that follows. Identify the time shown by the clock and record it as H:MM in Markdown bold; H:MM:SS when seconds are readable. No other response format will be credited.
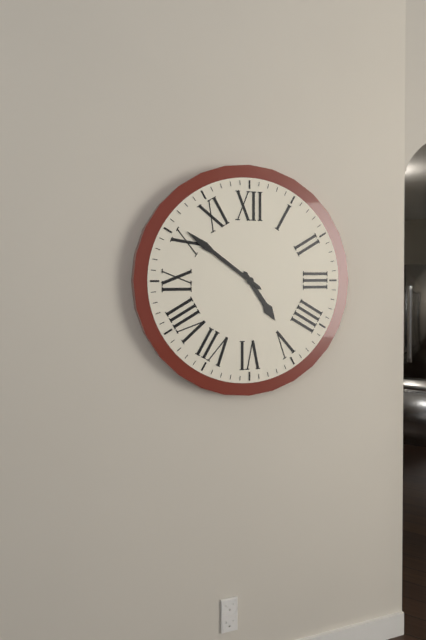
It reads **4:51**
